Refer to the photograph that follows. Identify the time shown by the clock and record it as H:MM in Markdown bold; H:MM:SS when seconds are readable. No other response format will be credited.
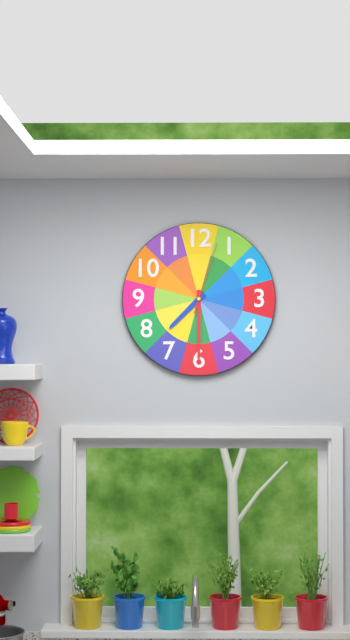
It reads **7:30:03**
